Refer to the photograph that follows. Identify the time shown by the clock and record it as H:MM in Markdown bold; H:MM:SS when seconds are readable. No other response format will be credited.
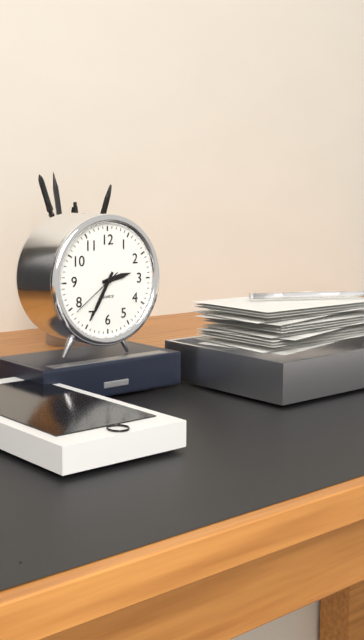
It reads **2:35:39**
